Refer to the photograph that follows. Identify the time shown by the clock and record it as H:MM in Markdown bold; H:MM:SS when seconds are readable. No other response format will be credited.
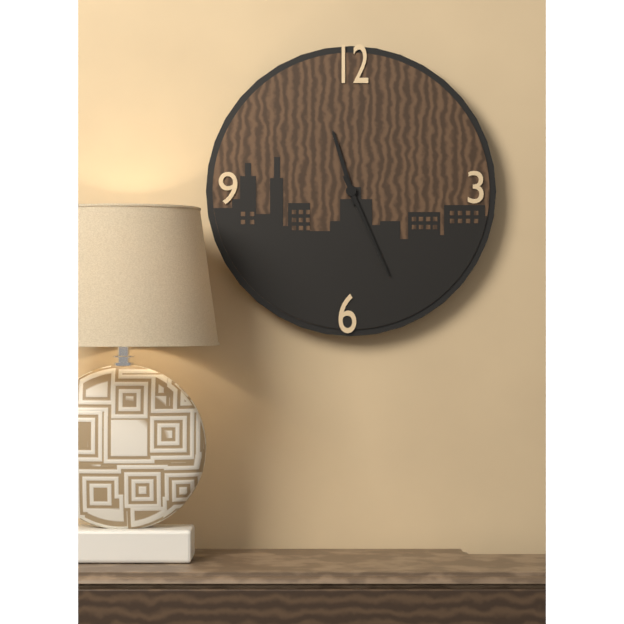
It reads **11:26**
